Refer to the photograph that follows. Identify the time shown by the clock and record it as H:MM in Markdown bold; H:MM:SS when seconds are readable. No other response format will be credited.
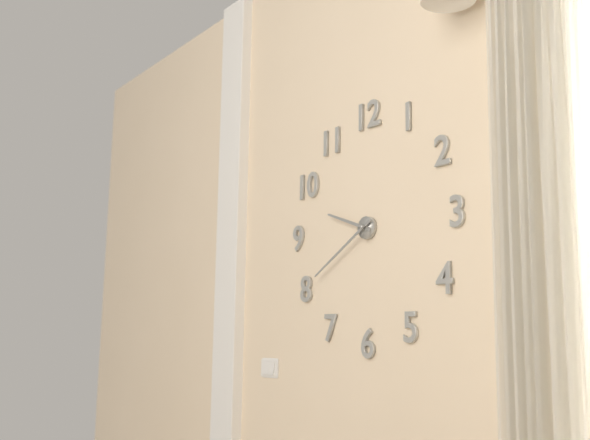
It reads **9:40**
